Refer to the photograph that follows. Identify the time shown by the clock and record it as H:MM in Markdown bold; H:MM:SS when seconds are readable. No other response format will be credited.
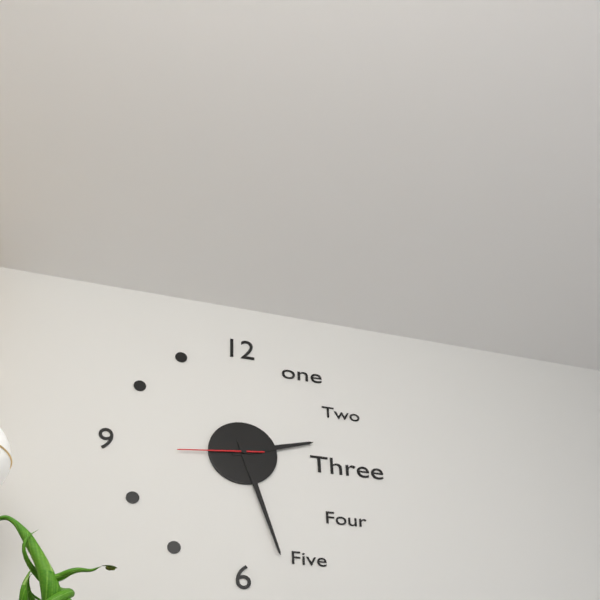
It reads **2:27:44**
